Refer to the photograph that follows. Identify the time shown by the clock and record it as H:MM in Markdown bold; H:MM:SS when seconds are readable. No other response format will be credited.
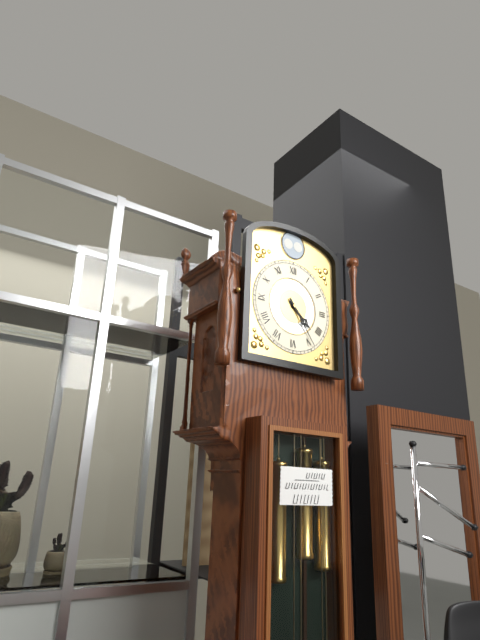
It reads **4:24**
